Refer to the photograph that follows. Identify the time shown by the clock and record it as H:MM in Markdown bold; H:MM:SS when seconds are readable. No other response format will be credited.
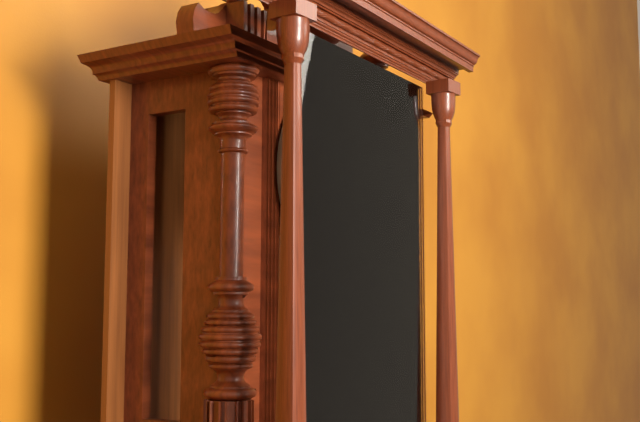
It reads **12:41**
